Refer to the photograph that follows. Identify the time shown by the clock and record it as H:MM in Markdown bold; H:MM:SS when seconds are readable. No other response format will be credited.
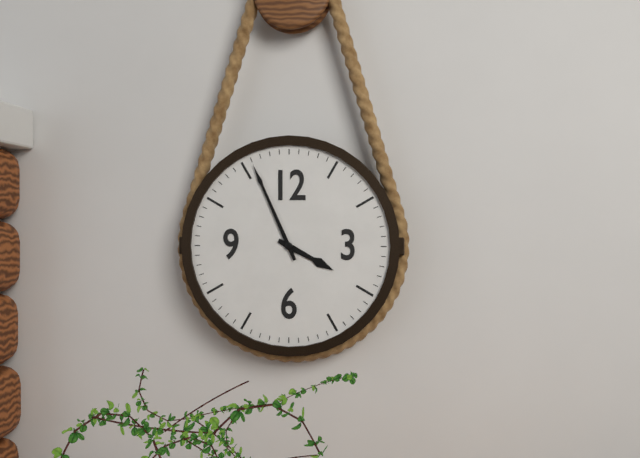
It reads **3:56**
